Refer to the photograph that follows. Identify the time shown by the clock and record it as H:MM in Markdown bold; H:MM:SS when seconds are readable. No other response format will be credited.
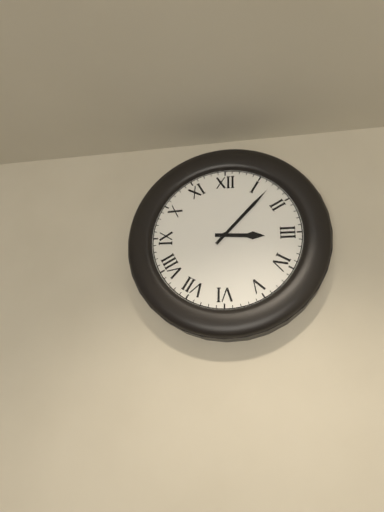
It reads **3:07**
